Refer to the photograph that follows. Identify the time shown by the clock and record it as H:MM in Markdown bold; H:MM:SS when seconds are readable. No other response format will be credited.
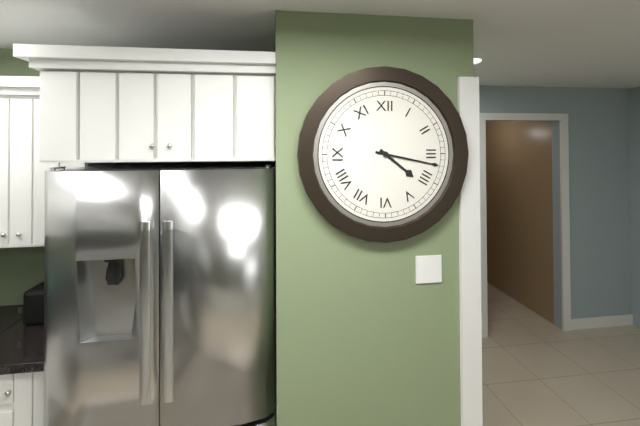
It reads **4:17**
